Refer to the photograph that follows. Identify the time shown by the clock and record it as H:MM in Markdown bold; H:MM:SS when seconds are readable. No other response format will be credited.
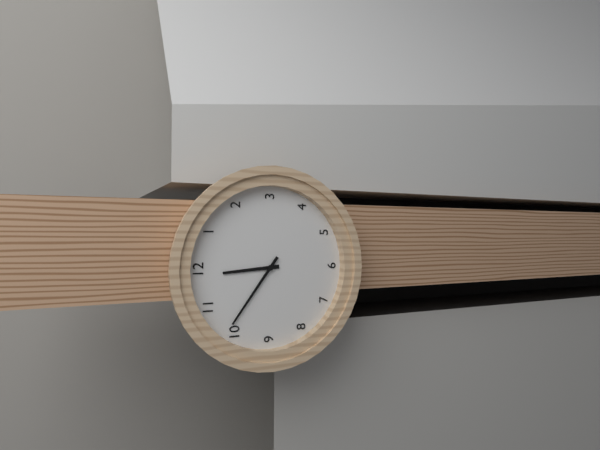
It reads **11:51**
